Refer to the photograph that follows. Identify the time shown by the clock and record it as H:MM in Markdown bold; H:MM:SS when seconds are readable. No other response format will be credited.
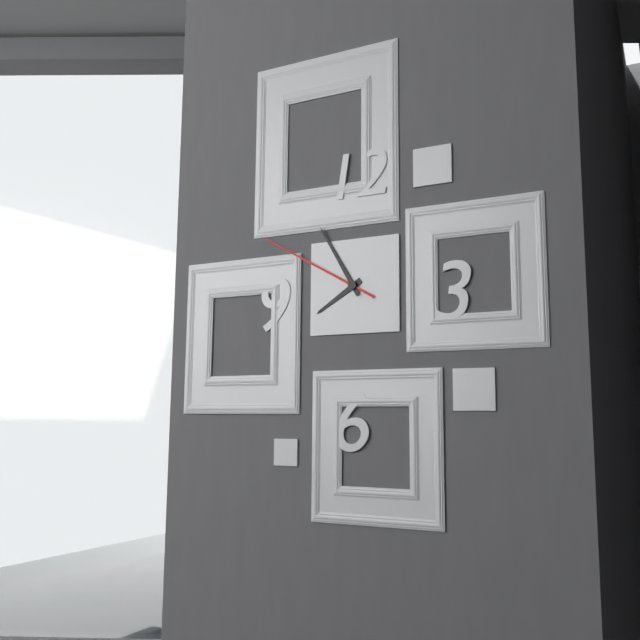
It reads **7:55:50**
